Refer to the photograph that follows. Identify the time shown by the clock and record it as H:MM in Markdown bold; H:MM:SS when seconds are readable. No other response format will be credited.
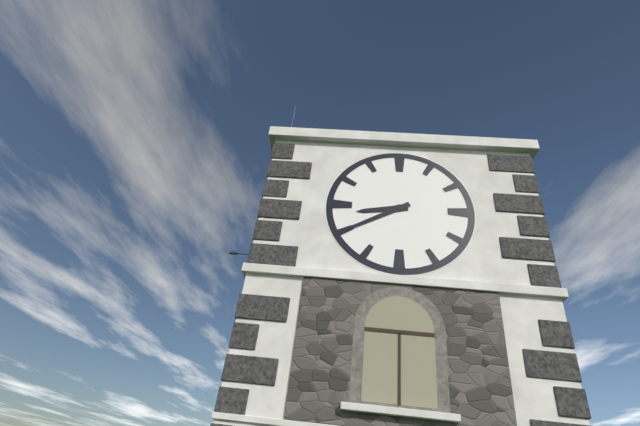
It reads **8:40**
